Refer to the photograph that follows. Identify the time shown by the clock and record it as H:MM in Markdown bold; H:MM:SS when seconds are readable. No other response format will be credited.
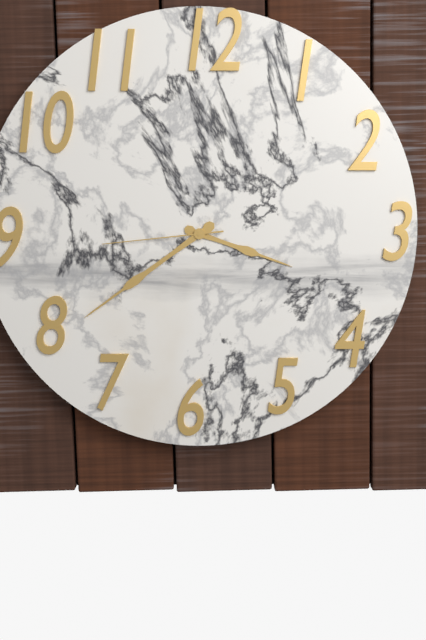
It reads **3:39:44**
